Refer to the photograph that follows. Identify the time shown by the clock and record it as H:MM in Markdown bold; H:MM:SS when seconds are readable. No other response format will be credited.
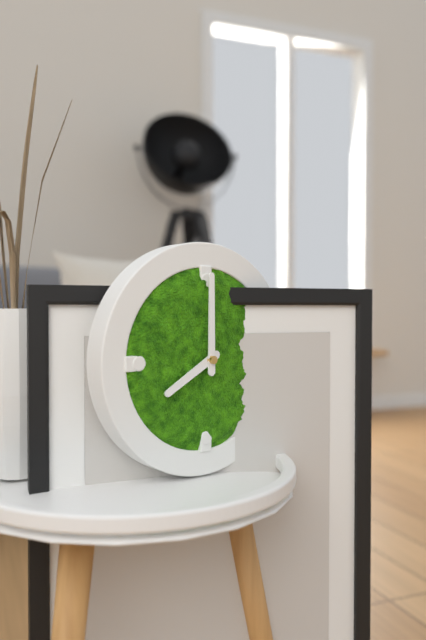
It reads **8:00**
